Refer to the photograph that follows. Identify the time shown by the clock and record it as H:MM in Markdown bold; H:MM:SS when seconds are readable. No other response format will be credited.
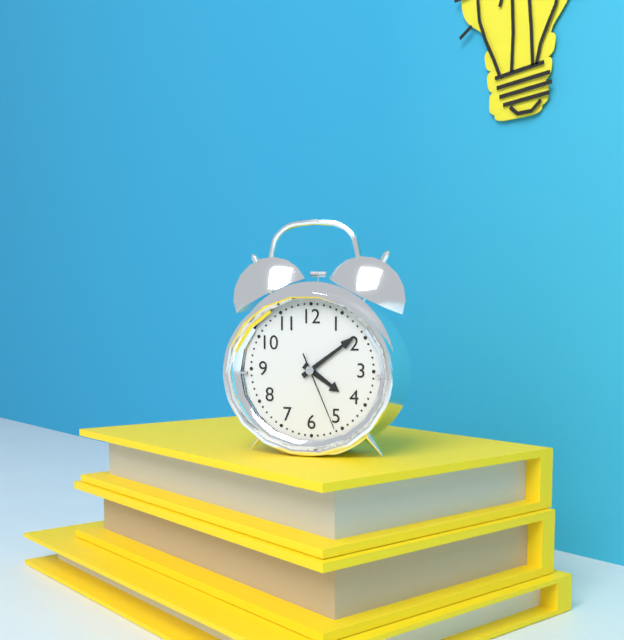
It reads **4:09:26**
